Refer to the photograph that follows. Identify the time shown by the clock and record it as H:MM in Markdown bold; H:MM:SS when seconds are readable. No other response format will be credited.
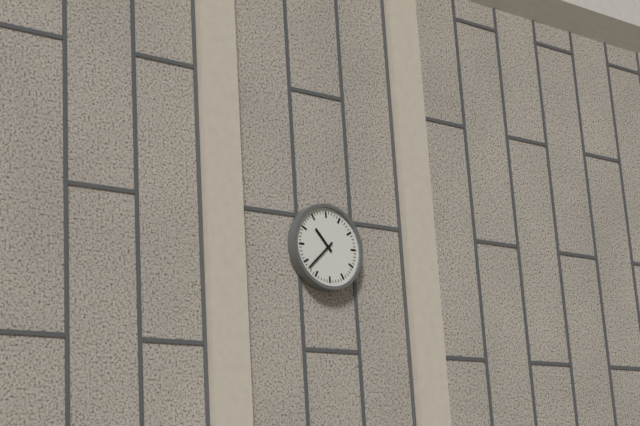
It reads **10:38**
